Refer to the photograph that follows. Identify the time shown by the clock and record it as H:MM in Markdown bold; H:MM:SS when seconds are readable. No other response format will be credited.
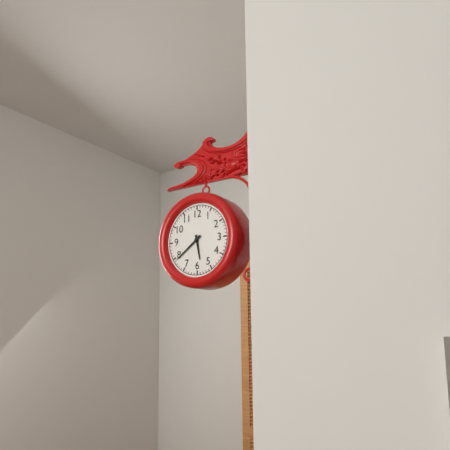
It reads **5:39**
